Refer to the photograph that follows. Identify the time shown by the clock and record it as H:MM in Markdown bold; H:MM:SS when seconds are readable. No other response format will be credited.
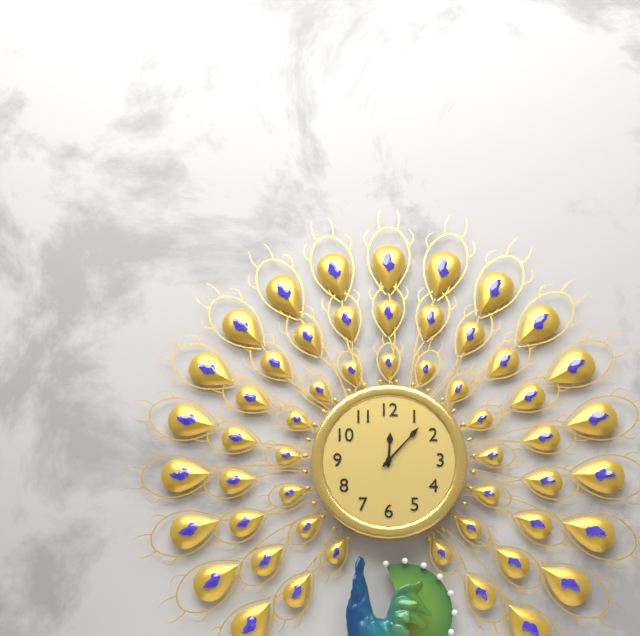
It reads **12:07**
